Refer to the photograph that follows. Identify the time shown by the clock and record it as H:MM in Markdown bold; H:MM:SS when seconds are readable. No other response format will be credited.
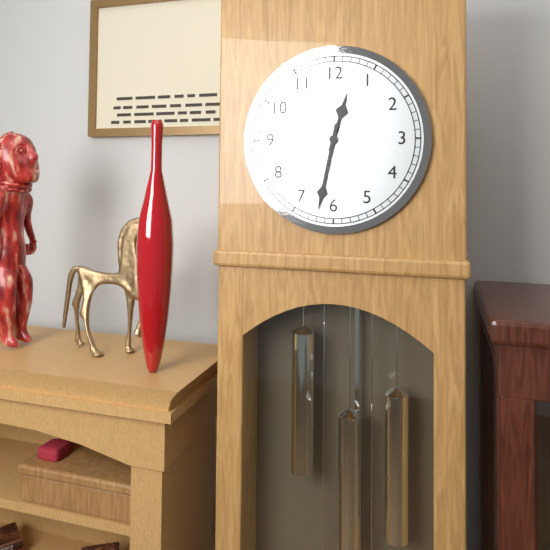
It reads **12:32**
